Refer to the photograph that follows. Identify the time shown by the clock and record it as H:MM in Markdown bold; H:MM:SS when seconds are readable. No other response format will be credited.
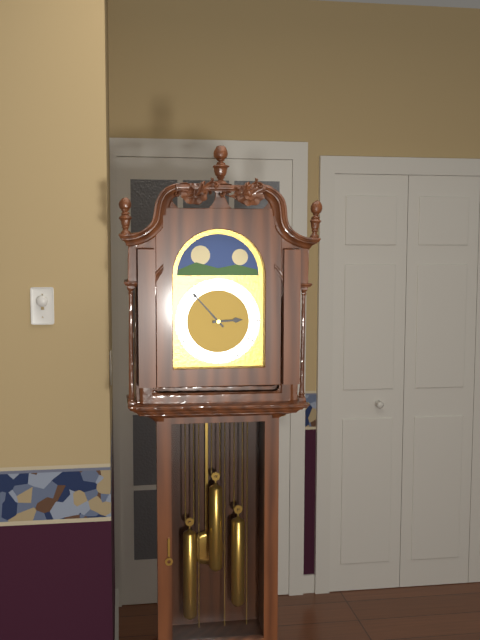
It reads **2:53**
